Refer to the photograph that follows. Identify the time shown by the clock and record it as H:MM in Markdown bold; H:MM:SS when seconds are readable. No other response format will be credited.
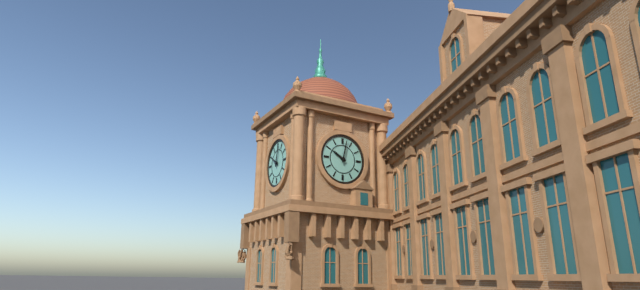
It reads **10:02**
